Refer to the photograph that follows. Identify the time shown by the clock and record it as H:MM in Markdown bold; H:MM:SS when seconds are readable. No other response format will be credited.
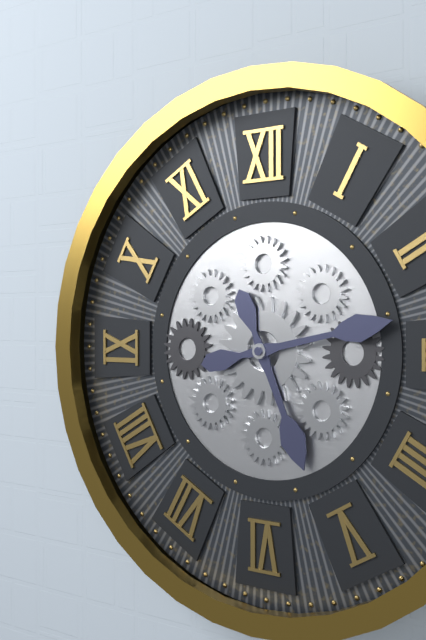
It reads **5:13**
